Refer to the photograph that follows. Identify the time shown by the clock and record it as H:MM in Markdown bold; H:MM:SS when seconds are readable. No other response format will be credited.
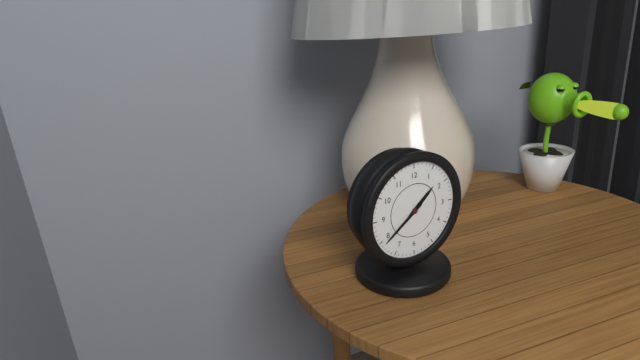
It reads **1:39**
